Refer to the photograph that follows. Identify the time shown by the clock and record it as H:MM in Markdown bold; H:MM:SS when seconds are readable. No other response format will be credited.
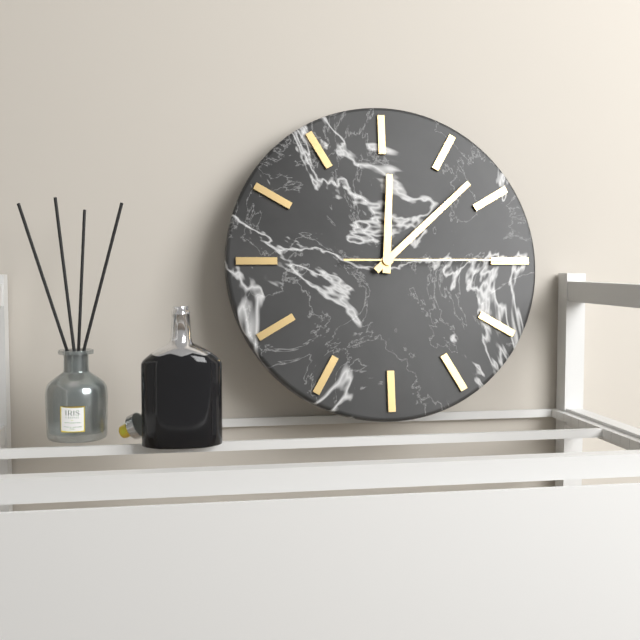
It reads **12:08:15**
